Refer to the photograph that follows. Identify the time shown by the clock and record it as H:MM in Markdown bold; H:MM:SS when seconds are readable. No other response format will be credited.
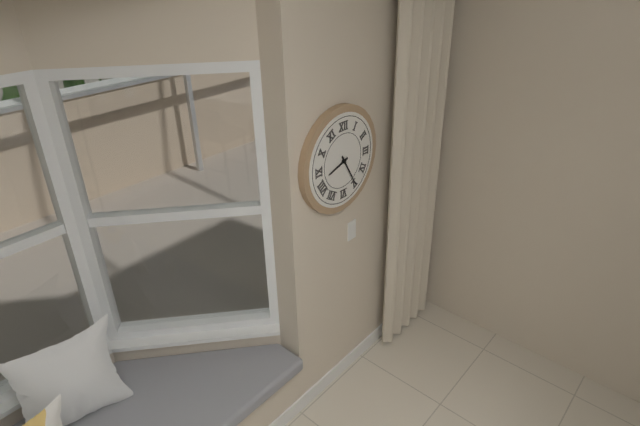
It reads **8:25**
